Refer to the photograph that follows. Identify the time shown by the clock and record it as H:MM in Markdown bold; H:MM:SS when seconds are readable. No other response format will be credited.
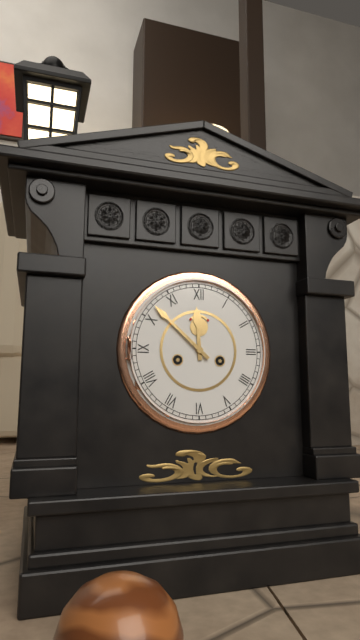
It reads **11:52**
